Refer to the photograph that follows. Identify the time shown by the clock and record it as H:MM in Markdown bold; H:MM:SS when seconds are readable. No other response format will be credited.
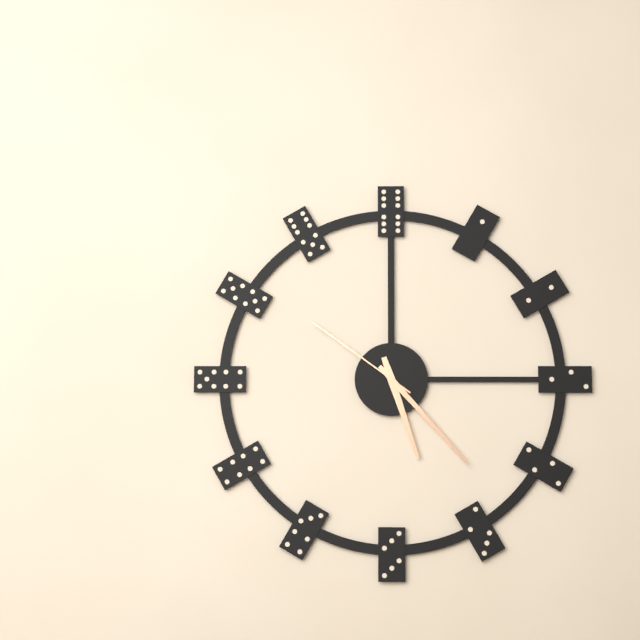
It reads **5:23:51**
